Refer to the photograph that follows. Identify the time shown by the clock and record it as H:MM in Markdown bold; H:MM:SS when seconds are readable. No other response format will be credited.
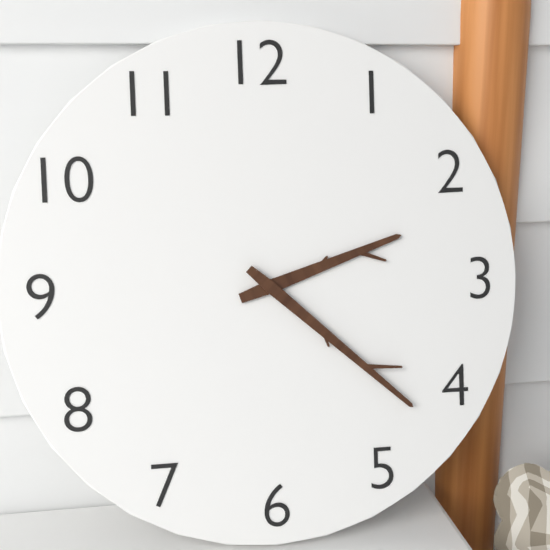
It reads **2:22**
